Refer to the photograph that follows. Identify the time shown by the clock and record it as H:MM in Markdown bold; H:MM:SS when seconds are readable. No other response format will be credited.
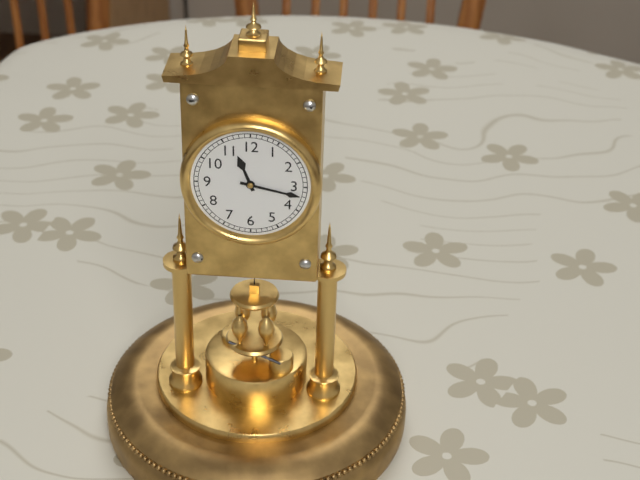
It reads **11:17**
